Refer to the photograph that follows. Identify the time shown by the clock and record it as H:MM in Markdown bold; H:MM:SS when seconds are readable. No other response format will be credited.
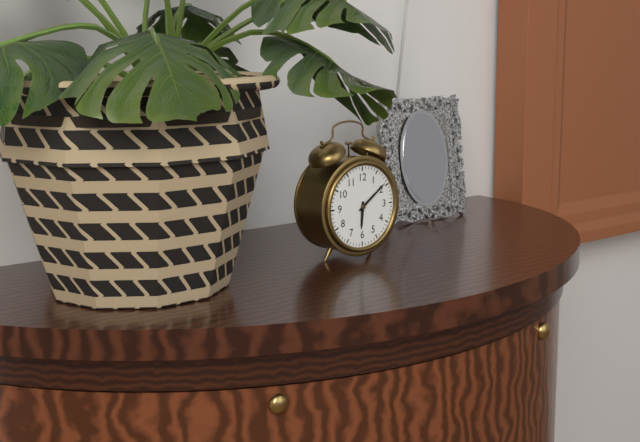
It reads **6:09**
